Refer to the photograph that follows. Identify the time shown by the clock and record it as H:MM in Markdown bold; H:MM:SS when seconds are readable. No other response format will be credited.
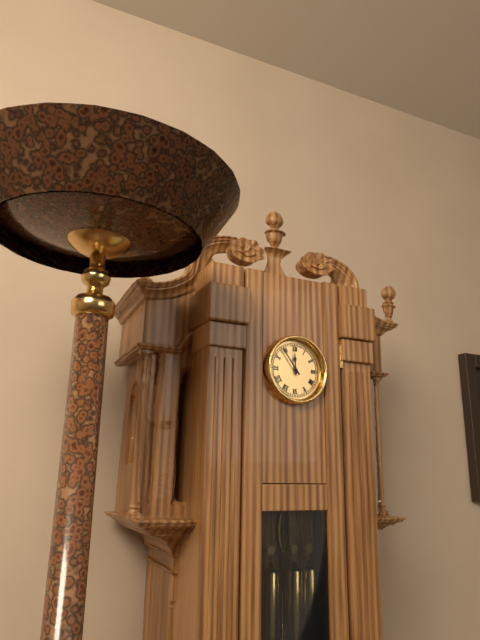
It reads **11:54**
